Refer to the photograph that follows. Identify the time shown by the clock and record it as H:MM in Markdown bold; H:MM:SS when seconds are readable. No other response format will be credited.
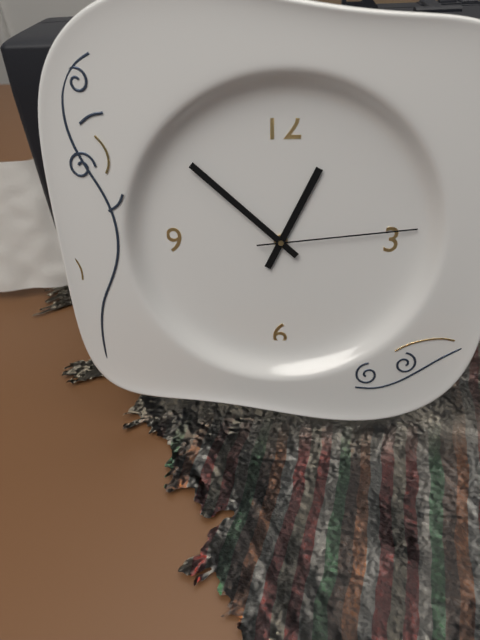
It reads **12:52:14**
